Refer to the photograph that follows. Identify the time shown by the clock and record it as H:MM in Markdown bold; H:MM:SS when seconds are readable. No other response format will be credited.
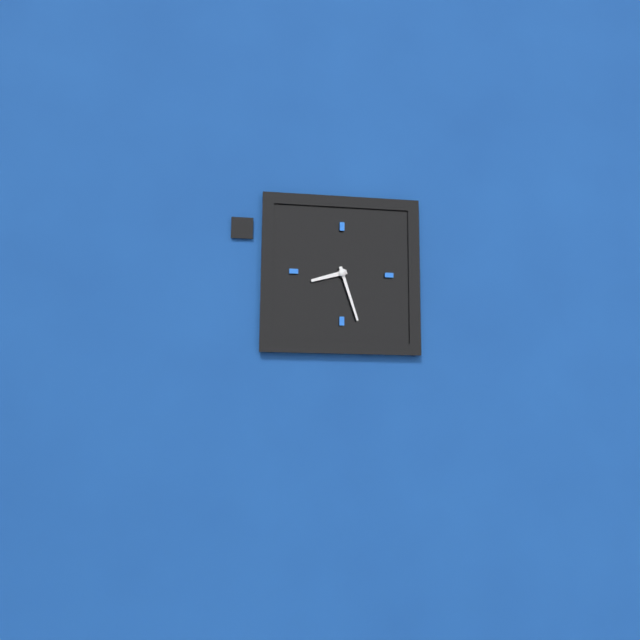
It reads **8:27**
